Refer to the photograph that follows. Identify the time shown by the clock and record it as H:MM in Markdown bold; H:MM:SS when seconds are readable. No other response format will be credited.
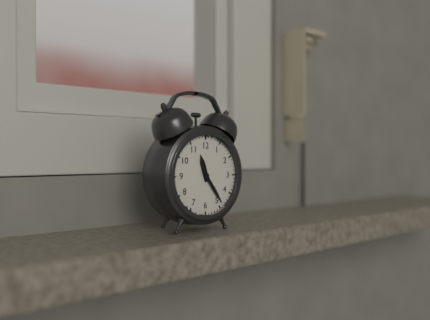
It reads **11:24**
